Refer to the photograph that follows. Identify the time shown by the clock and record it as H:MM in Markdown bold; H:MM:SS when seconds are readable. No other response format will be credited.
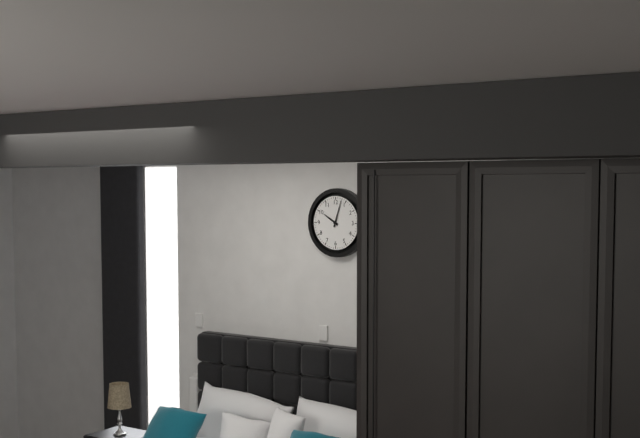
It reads **10:03**
